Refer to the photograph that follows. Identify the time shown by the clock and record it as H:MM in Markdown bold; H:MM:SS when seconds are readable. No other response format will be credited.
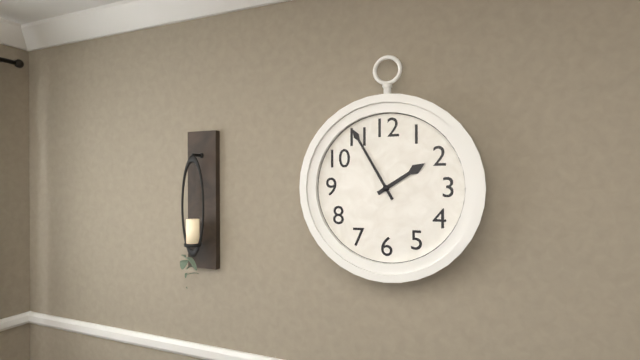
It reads **1:55**
